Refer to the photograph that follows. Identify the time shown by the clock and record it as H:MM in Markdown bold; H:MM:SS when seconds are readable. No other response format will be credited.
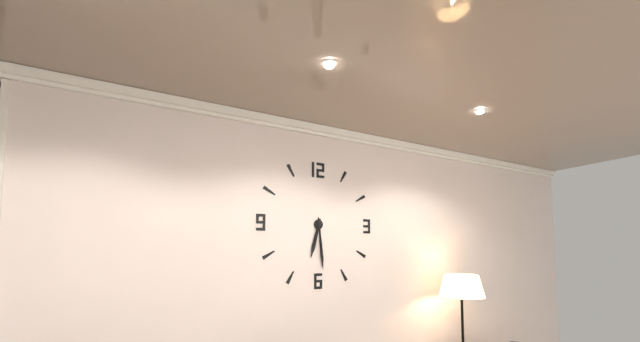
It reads **6:29**
